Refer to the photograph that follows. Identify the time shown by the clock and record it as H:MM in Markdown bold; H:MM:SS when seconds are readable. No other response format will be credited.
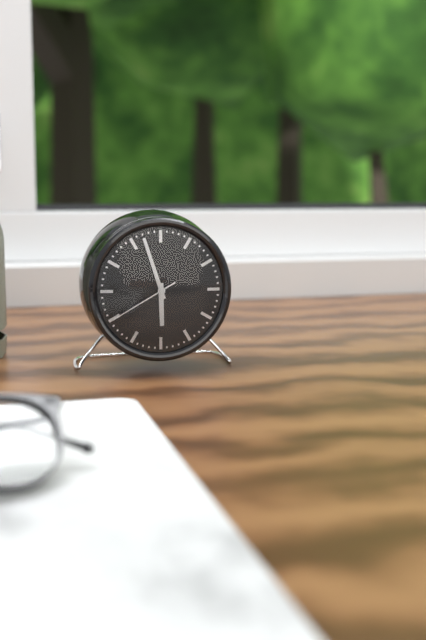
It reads **5:57:40**
